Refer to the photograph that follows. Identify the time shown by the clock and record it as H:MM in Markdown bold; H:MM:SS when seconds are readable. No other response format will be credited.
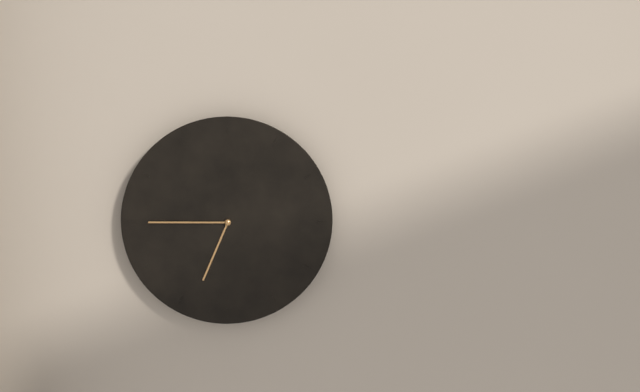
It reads **6:45**
